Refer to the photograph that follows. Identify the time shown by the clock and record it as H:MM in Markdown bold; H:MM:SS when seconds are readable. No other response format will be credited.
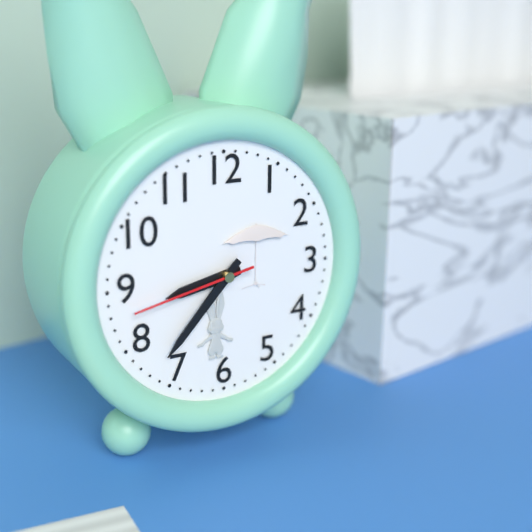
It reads **8:37:43**
